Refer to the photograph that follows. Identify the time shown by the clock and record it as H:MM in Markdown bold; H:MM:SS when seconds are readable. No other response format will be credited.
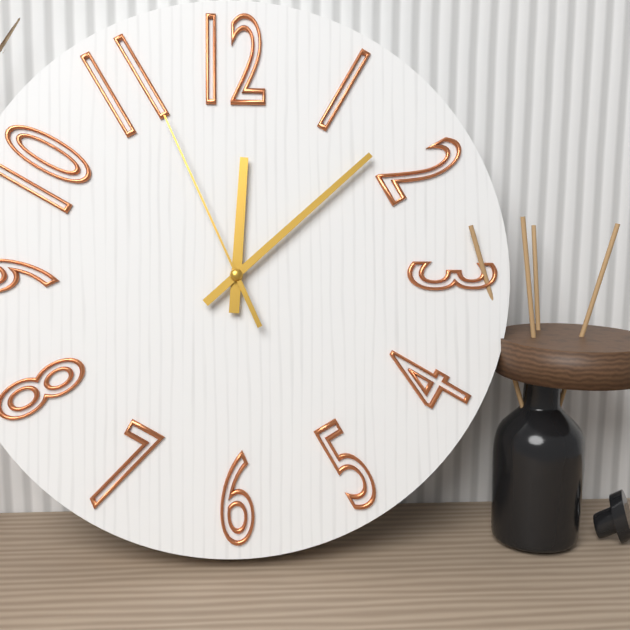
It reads **12:08:56**
